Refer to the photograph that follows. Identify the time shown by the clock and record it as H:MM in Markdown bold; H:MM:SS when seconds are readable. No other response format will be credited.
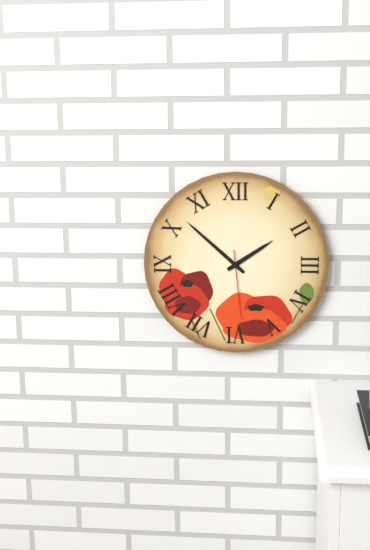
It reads **1:52:29**
